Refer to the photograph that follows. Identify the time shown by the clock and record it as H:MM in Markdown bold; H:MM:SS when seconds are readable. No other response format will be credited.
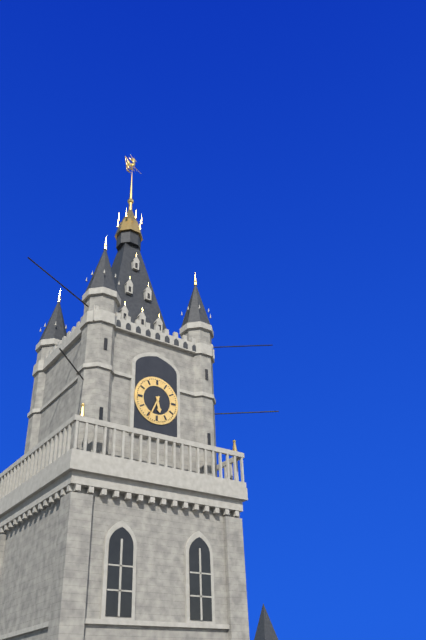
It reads **5:34**
